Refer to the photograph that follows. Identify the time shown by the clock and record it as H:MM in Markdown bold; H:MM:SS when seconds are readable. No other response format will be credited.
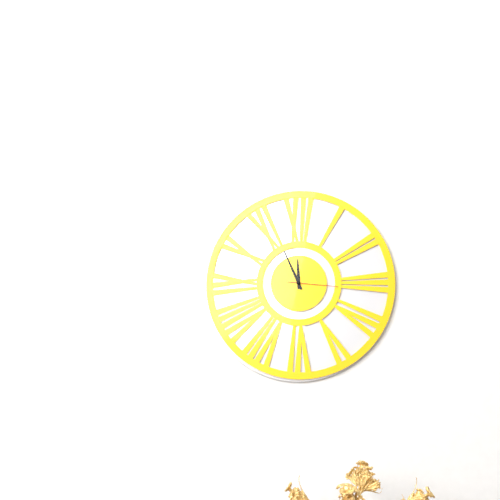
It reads **11:56**
